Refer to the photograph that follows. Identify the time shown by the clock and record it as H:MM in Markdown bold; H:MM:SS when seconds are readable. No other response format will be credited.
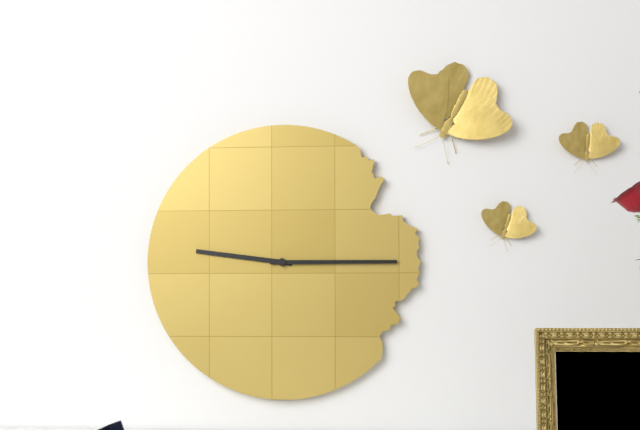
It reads **9:15**
